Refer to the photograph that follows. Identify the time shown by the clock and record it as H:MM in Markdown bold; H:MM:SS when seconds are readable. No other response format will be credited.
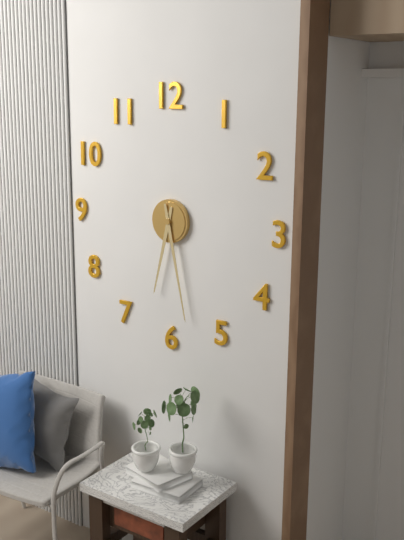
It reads **6:28**
